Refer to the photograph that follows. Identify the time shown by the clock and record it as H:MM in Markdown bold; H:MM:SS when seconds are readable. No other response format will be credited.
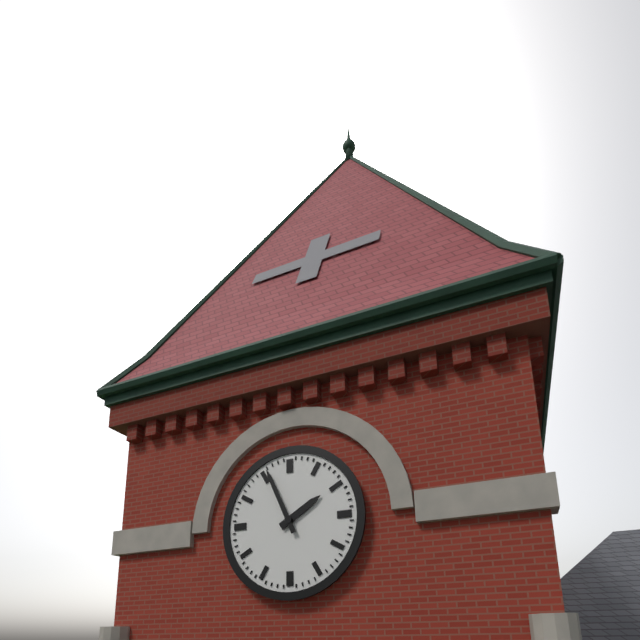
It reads **1:56**
